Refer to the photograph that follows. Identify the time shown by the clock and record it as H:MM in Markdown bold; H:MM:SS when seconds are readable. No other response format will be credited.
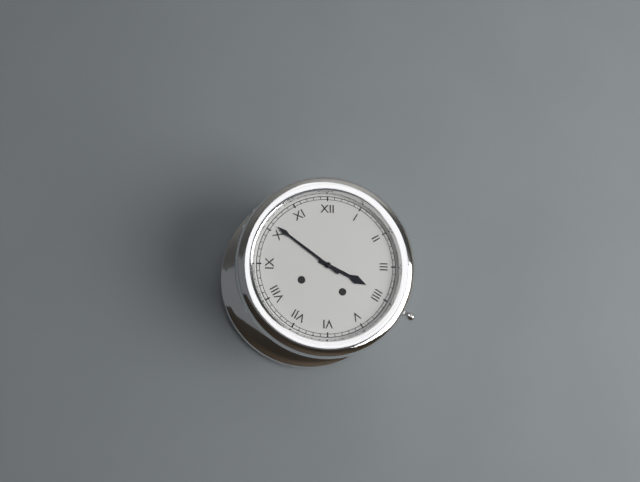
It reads **3:51**
